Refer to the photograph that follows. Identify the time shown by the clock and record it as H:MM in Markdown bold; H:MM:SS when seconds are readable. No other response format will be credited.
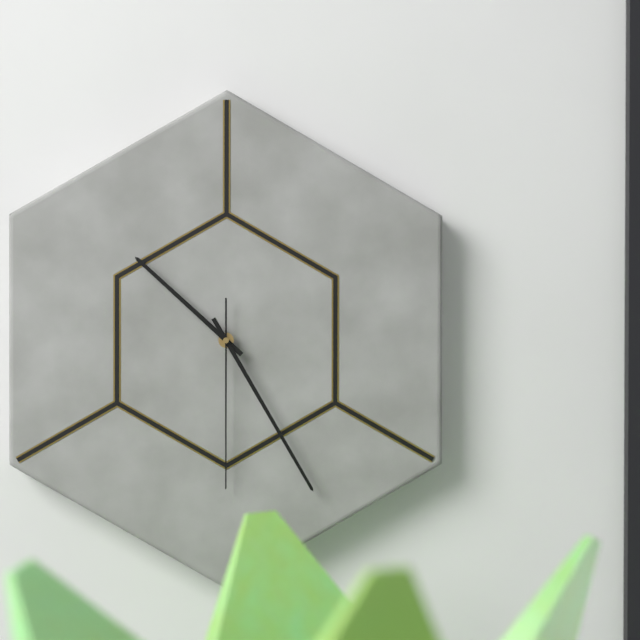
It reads **10:25:30**
